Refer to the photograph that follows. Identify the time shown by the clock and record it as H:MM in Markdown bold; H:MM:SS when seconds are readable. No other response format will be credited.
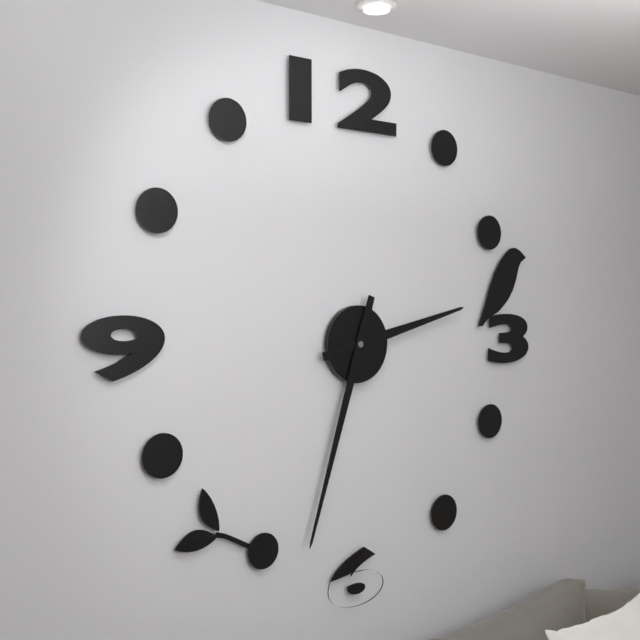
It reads **2:33**
